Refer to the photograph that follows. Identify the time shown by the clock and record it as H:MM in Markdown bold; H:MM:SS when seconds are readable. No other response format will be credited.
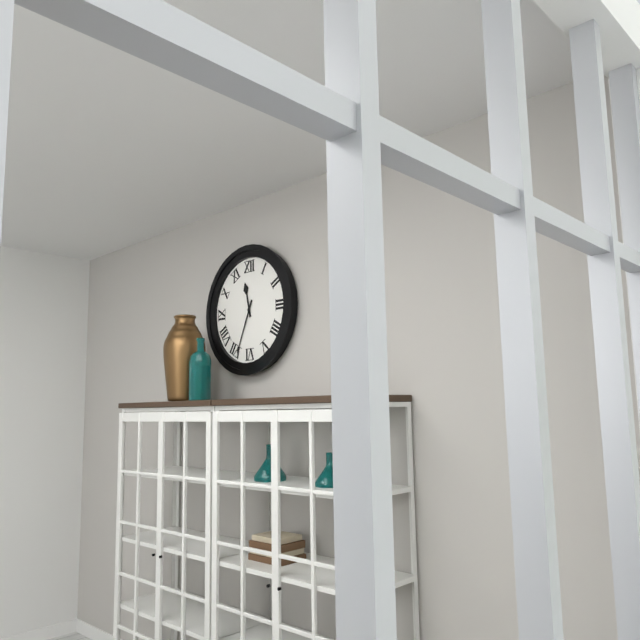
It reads **11:34**
